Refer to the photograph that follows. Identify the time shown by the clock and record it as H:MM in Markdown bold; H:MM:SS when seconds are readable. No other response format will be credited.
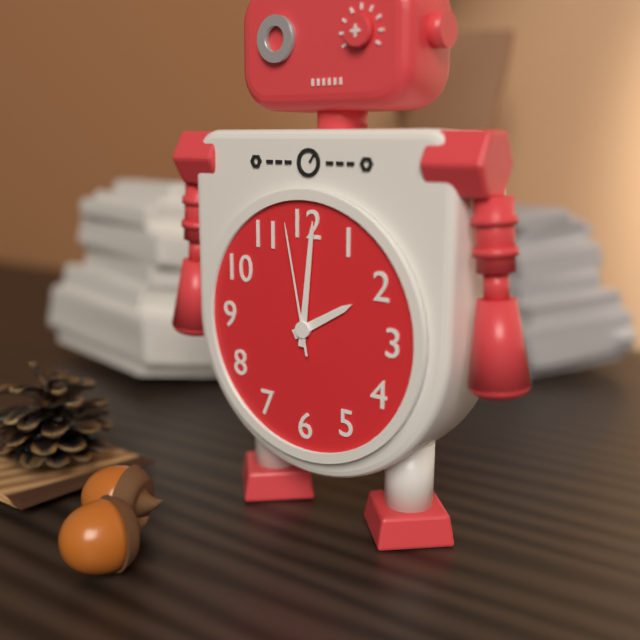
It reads **2:01:58**
